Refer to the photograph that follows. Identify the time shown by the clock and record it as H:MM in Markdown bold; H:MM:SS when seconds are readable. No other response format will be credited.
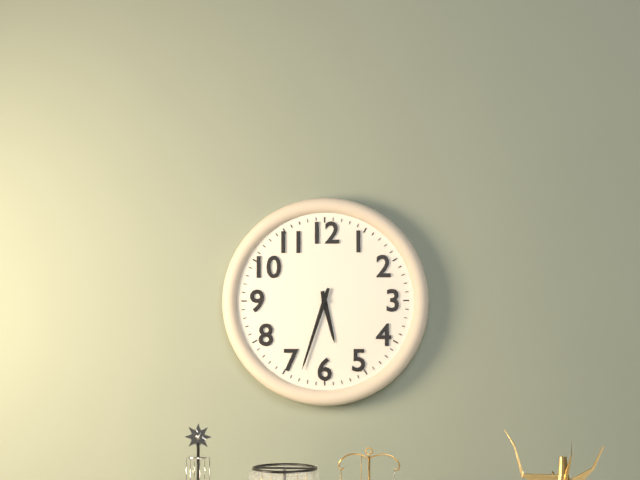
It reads **5:33**
